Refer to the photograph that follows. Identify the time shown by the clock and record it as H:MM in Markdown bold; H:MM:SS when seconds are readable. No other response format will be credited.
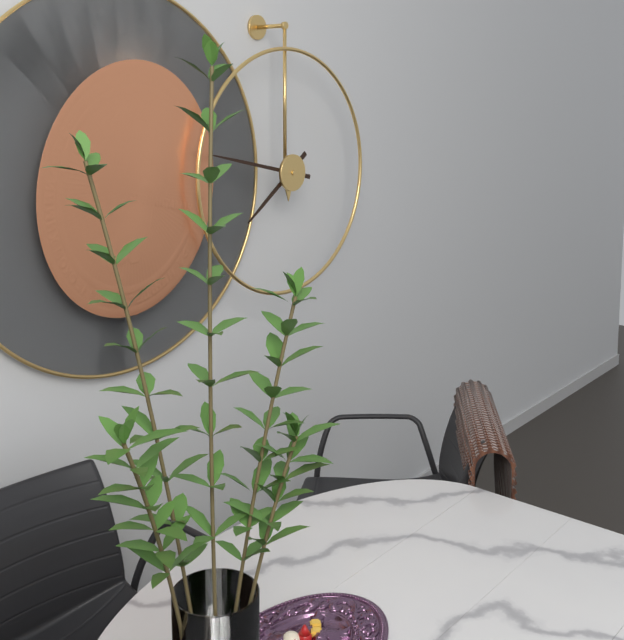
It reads **7:47**
